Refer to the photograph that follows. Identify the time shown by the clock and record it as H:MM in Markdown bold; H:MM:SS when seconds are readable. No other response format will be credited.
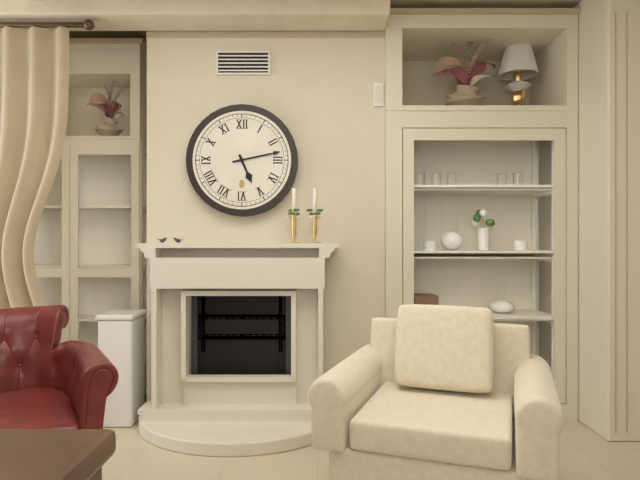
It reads **5:13**
